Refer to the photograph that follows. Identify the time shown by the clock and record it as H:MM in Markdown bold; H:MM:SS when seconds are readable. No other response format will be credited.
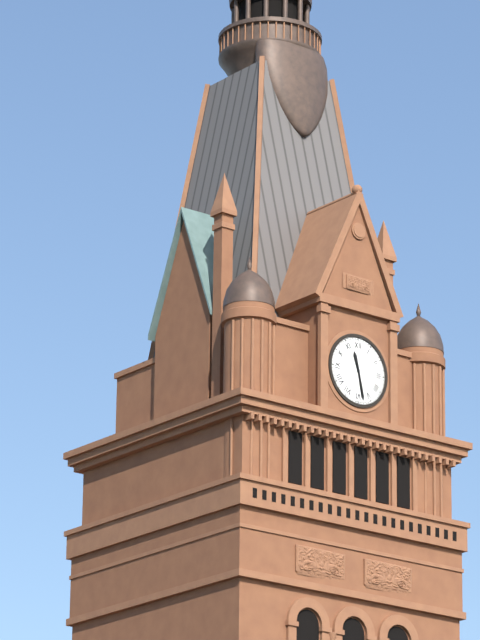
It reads **11:28**
